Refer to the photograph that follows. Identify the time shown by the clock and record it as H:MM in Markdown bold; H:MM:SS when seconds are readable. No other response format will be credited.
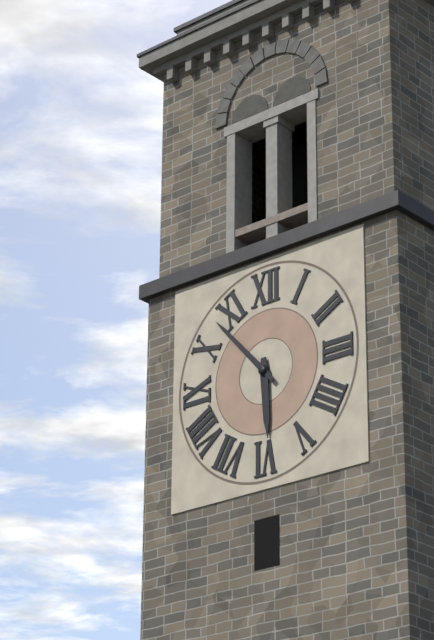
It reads **5:53**
